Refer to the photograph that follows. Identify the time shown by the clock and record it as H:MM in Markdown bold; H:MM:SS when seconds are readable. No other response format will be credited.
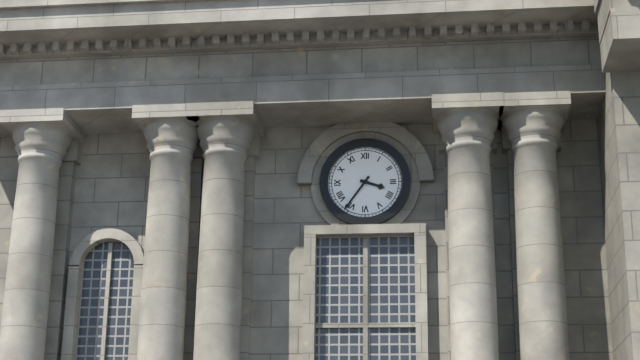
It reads **3:36**
